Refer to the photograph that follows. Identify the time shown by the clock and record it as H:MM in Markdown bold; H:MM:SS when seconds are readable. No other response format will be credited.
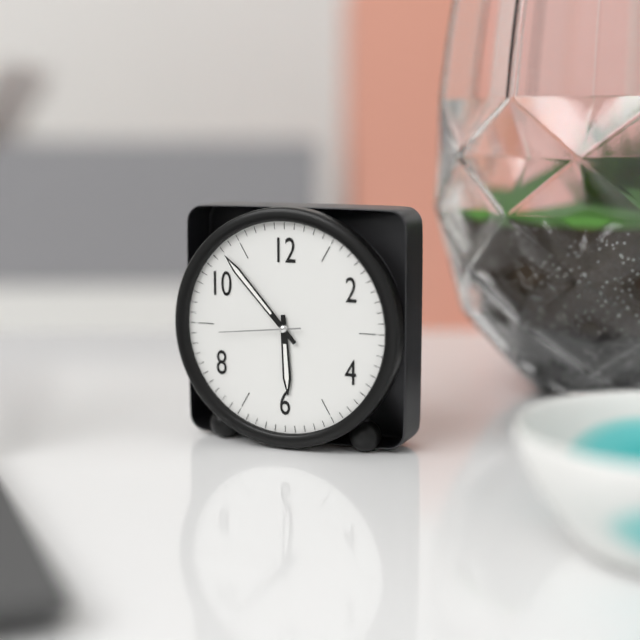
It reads **5:53:44**
